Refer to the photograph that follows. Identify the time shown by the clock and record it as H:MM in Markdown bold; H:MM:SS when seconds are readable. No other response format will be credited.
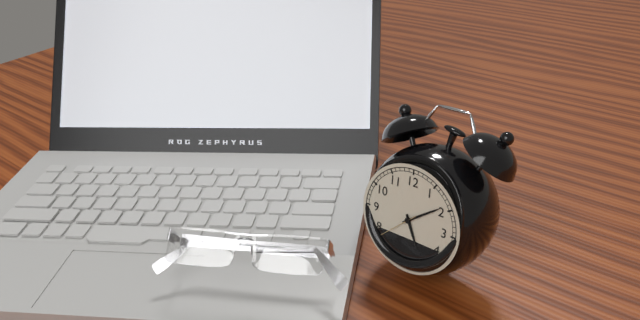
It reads **5:09**
